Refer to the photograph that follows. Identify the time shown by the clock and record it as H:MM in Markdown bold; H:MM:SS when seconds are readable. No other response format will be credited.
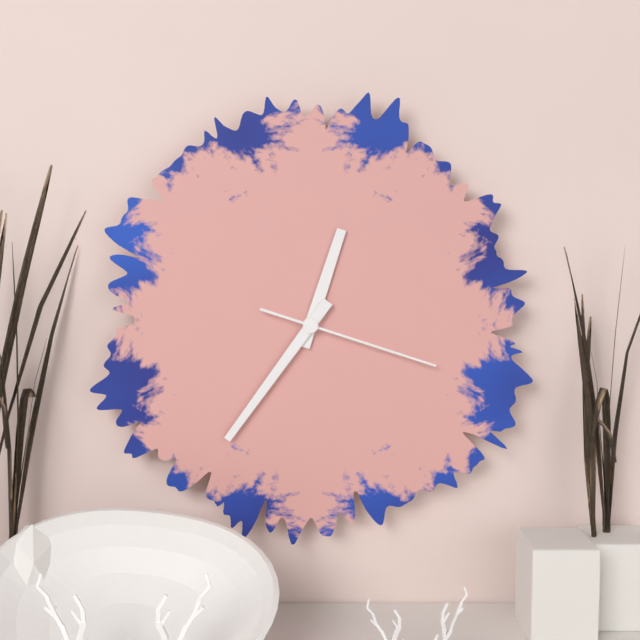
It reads **12:36:18**
